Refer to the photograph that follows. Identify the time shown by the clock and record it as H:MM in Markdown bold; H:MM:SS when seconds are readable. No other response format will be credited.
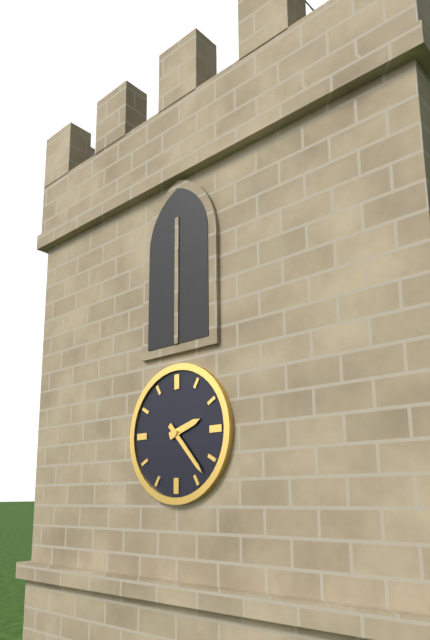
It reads **2:23**
